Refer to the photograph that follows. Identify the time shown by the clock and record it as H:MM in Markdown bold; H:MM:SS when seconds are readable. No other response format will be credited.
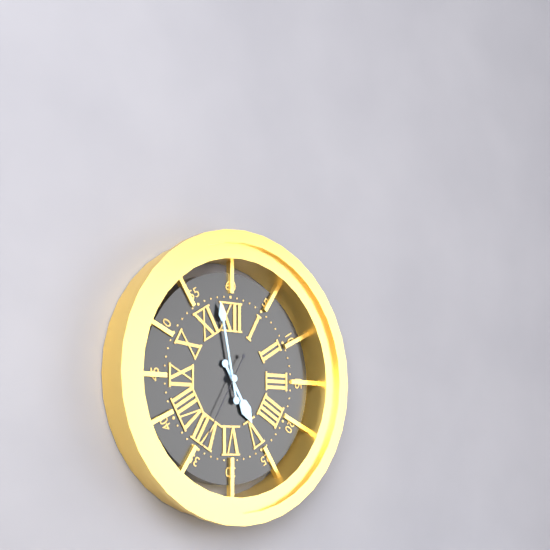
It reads **4:58:35**
